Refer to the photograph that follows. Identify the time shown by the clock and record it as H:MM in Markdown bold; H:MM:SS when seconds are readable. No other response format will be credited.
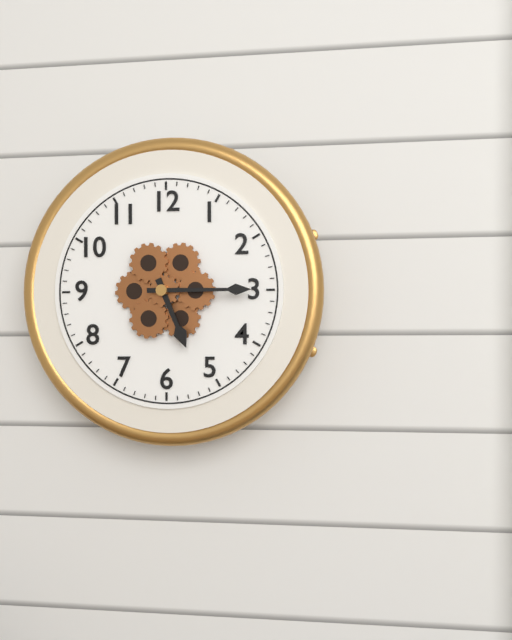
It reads **5:15**
